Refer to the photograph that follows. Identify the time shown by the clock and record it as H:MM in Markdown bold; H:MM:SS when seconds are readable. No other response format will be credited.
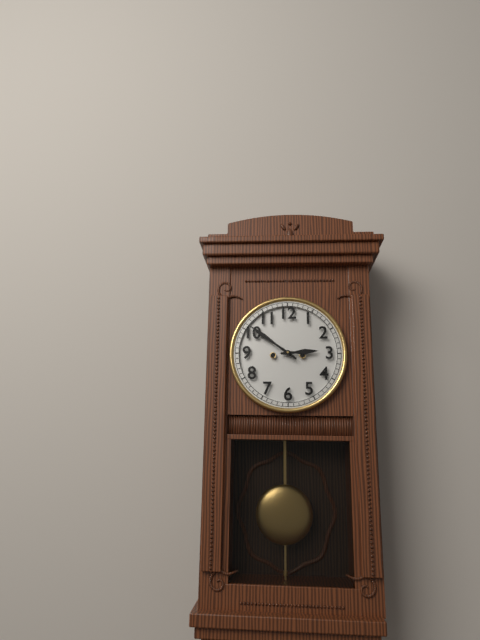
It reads **2:51**
